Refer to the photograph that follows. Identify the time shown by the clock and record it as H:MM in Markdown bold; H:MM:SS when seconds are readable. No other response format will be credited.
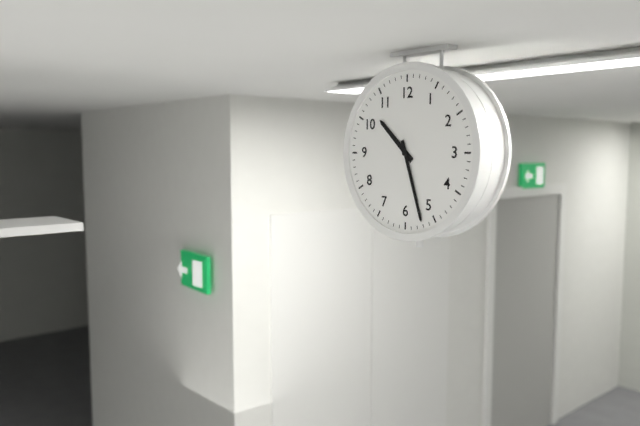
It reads **10:27**
